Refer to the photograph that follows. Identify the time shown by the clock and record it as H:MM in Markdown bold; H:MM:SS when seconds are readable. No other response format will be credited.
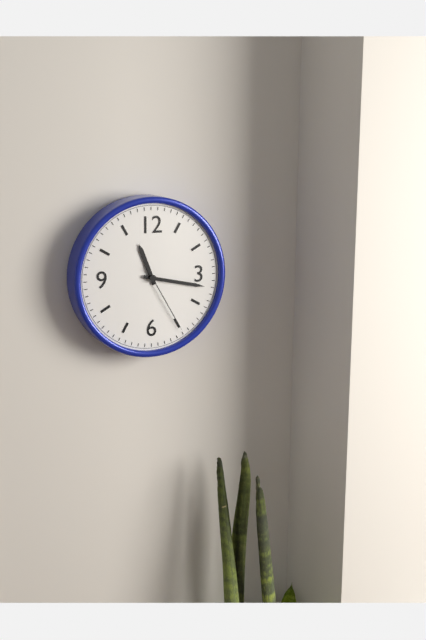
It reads **11:17:25**
